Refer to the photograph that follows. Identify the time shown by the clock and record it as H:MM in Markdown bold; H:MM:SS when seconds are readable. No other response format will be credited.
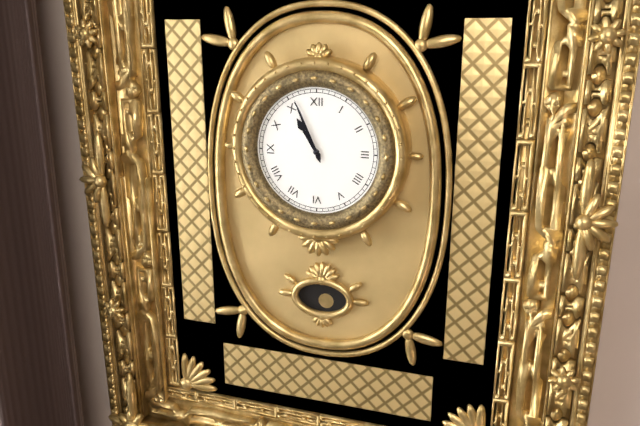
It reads **10:56**
